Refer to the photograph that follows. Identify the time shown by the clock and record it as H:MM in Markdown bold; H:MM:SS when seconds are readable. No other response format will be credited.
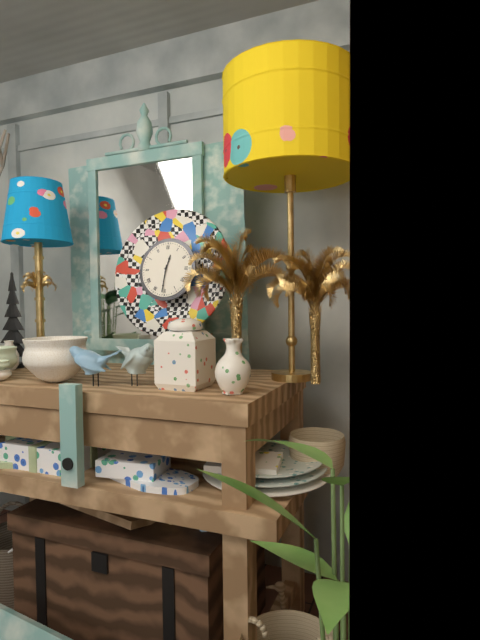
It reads **12:31**
